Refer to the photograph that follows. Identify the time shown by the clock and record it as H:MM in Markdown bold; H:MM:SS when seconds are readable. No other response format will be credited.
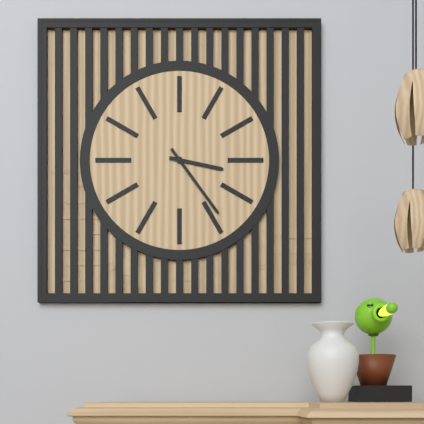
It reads **3:24**
